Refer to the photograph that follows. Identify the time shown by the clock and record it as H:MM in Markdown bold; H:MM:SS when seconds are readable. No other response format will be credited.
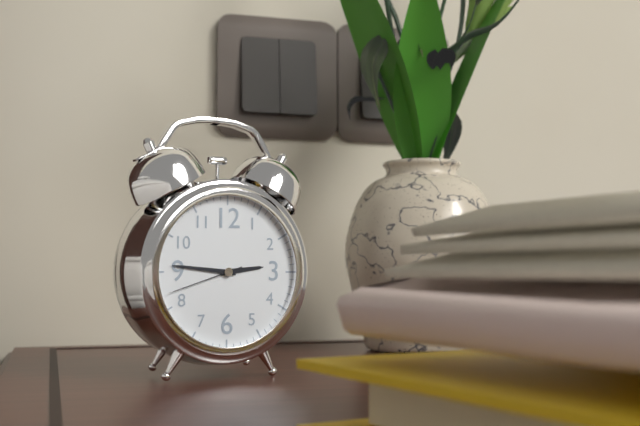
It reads **2:46:42**
